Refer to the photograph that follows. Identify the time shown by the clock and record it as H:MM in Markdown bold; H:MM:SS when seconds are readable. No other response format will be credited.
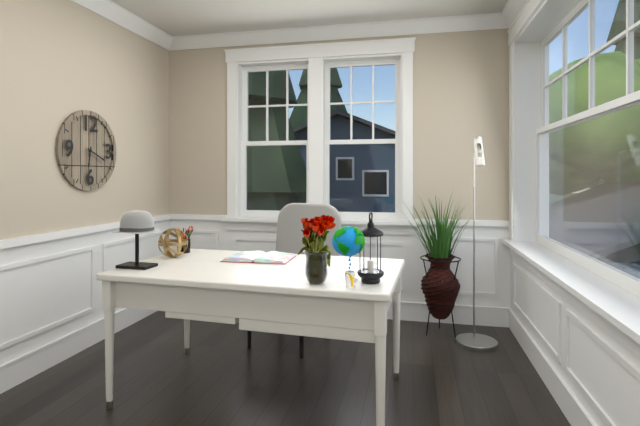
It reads **6:19**
